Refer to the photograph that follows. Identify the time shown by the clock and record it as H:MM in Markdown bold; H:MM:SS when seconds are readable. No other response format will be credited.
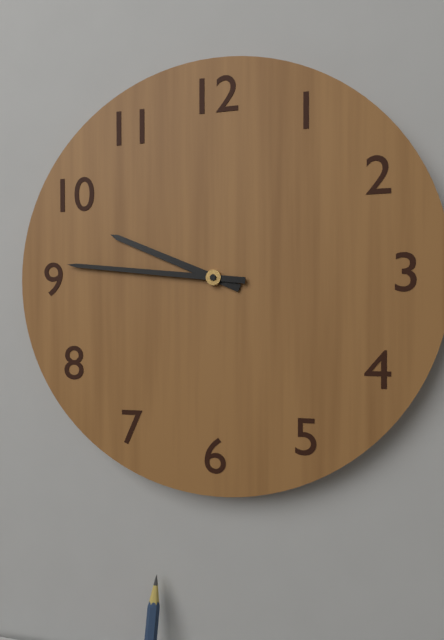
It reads **9:46**
